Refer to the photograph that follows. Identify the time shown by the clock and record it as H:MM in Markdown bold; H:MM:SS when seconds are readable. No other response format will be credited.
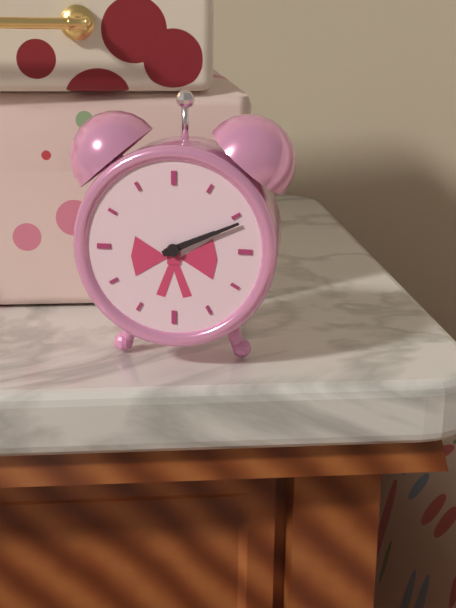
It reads **2:11**
